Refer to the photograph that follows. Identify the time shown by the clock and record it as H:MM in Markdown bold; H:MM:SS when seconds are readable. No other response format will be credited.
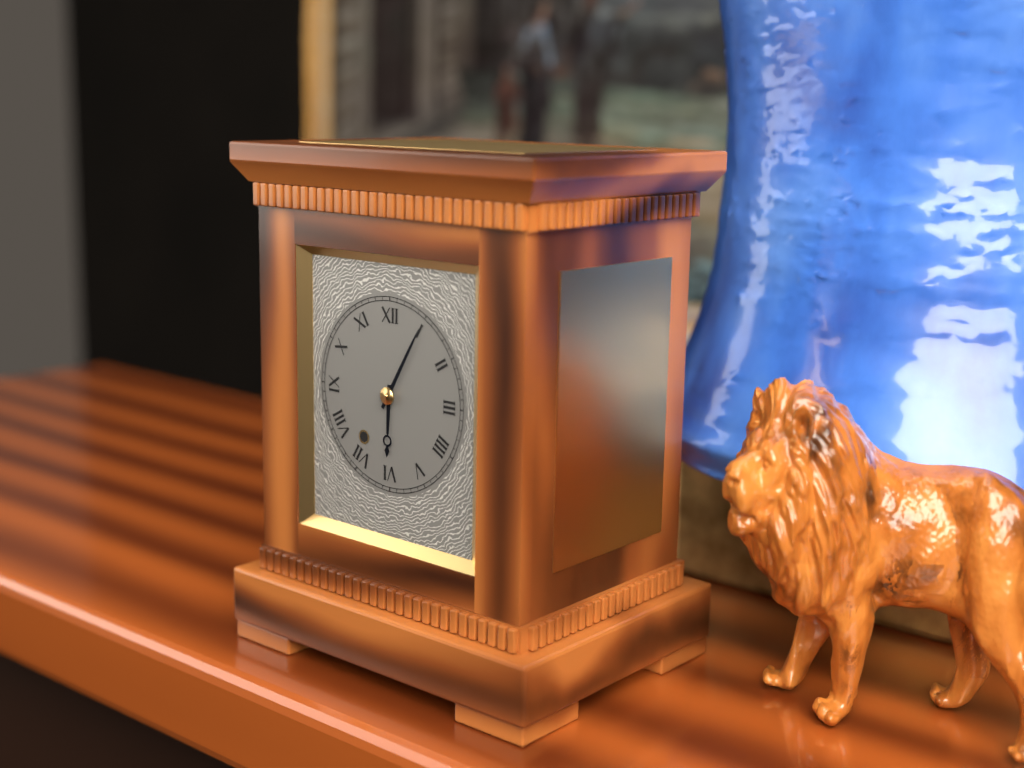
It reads **6:05**
